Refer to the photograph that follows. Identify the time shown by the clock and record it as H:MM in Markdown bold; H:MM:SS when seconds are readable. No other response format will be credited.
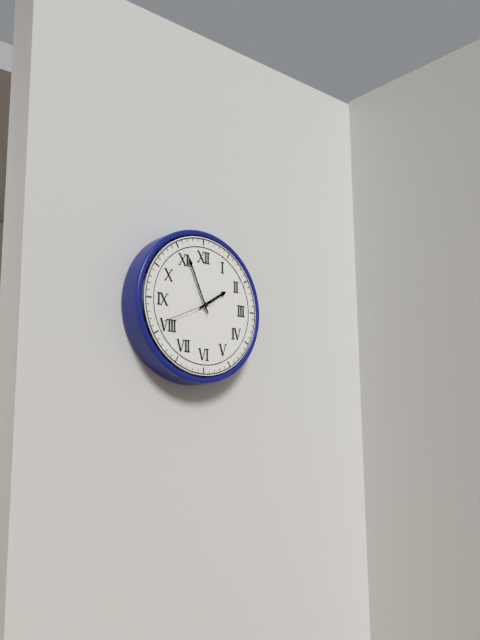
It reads **1:56:41**
